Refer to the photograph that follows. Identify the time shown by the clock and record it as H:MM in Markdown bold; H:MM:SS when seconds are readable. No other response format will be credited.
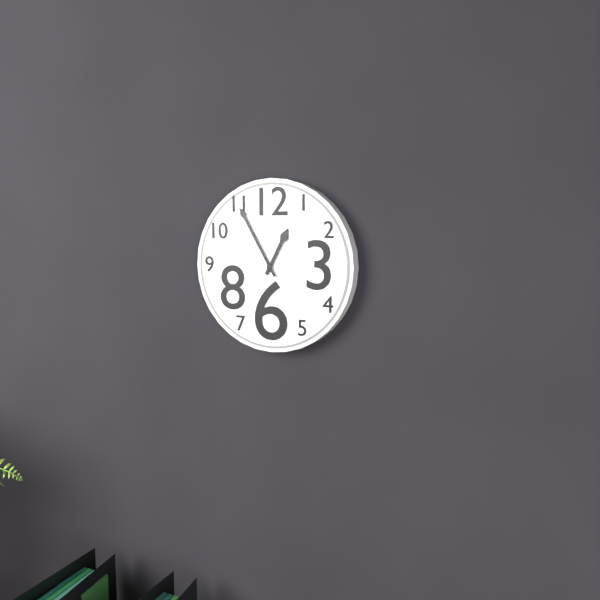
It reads **12:55**
